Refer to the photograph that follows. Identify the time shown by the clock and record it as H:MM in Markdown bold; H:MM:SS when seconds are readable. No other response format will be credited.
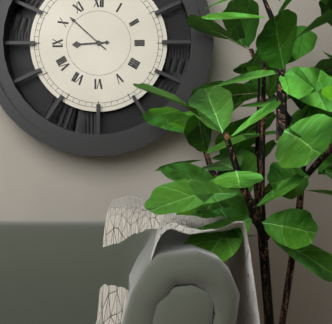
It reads **8:52**
